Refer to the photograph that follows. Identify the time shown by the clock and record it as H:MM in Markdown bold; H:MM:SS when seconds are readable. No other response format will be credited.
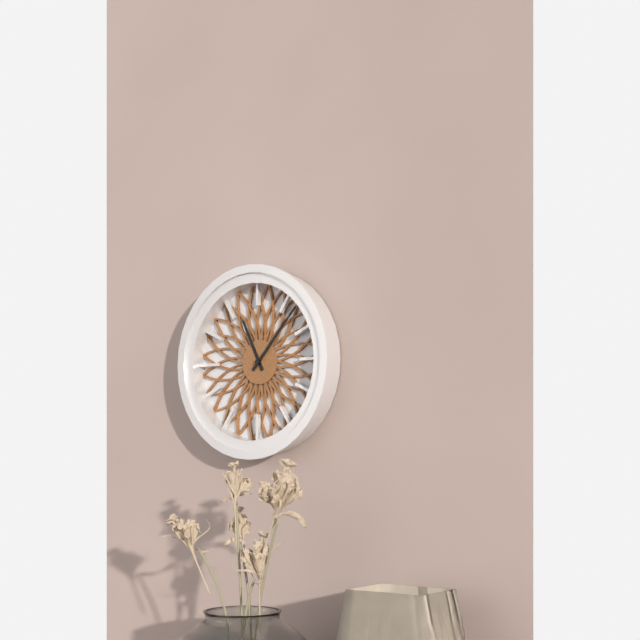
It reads **11:07**
